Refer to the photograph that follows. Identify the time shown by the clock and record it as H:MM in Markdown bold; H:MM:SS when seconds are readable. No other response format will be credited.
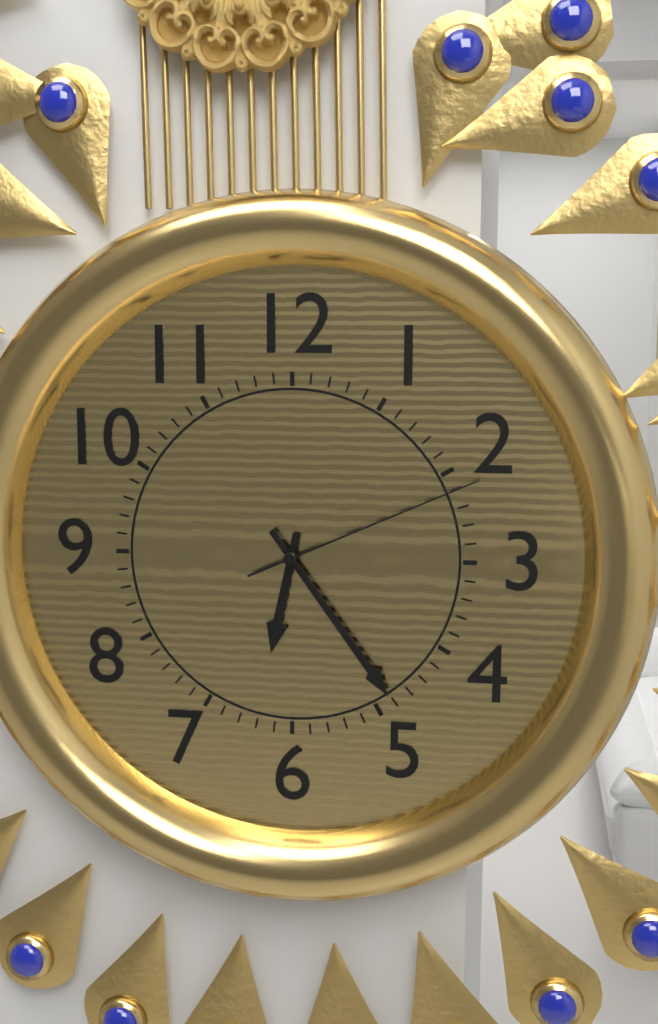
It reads **6:24:11**
